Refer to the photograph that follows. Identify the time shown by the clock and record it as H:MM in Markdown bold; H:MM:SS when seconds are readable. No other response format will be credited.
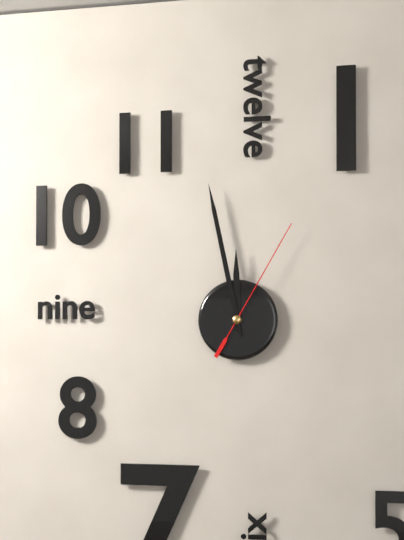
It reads **11:58:05**
